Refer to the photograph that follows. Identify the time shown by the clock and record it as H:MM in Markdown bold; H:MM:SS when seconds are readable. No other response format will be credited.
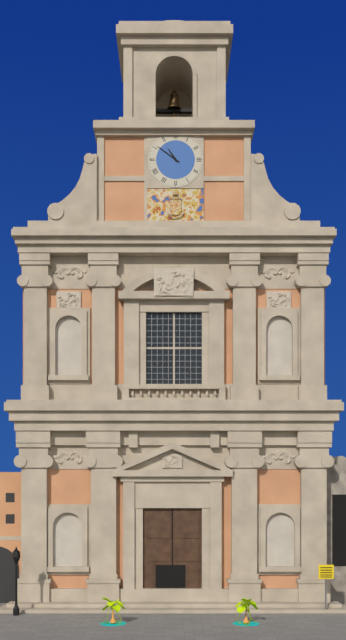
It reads **10:51**
